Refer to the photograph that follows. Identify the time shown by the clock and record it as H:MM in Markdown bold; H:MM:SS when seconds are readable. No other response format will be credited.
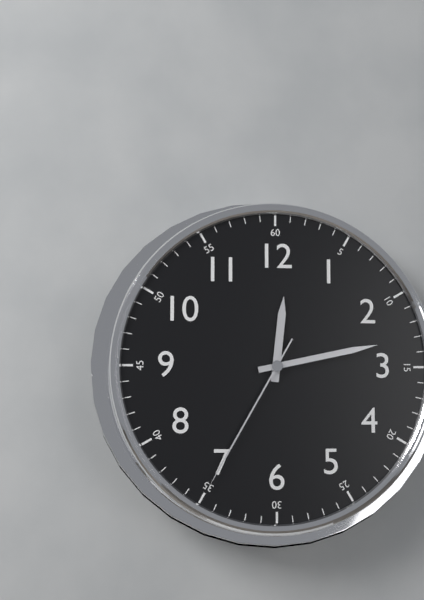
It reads **12:13:35**
